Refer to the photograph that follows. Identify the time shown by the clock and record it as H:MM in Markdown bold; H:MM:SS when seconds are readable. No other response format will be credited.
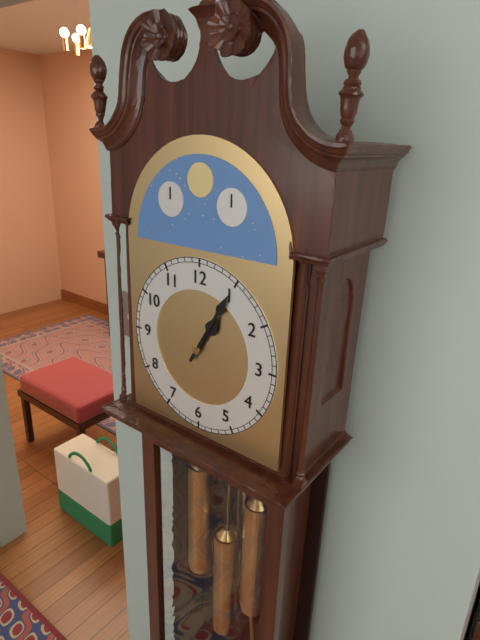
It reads **1:05**
